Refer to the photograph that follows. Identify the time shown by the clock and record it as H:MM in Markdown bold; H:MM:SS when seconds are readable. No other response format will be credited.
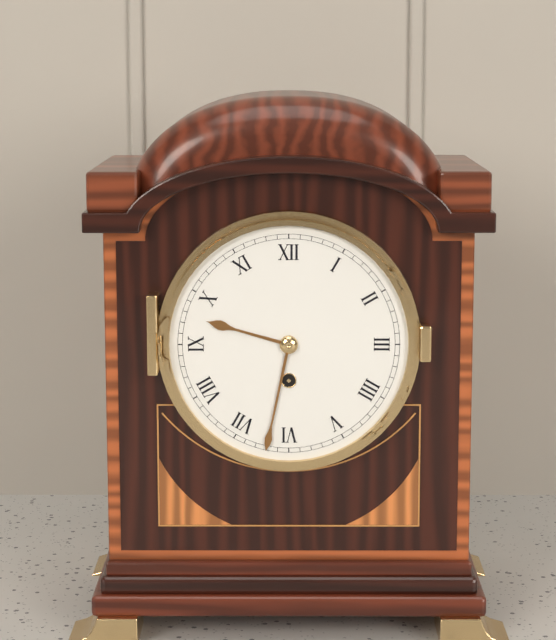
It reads **9:32**
